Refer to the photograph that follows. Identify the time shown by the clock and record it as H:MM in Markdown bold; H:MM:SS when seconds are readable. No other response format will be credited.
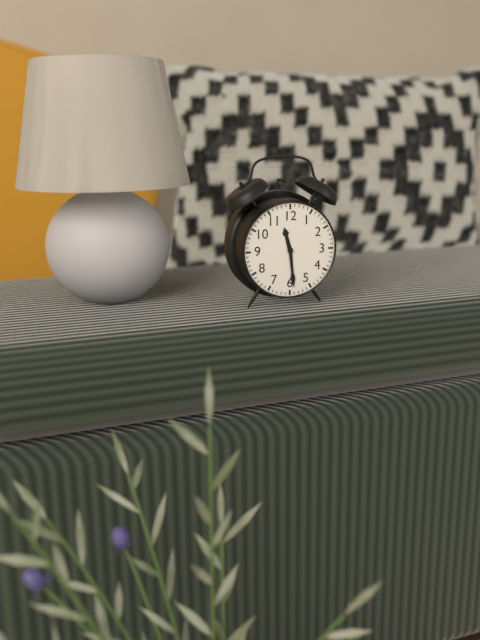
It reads **11:29**
